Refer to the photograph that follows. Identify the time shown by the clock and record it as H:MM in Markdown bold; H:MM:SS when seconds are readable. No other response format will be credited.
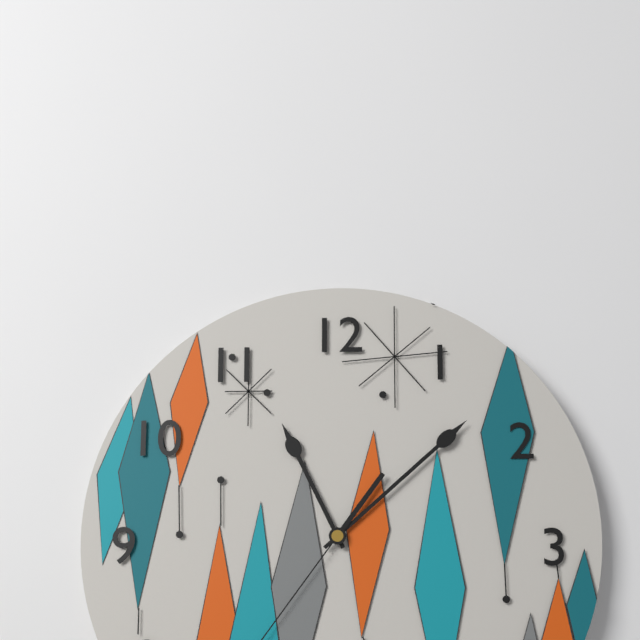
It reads **11:08**
